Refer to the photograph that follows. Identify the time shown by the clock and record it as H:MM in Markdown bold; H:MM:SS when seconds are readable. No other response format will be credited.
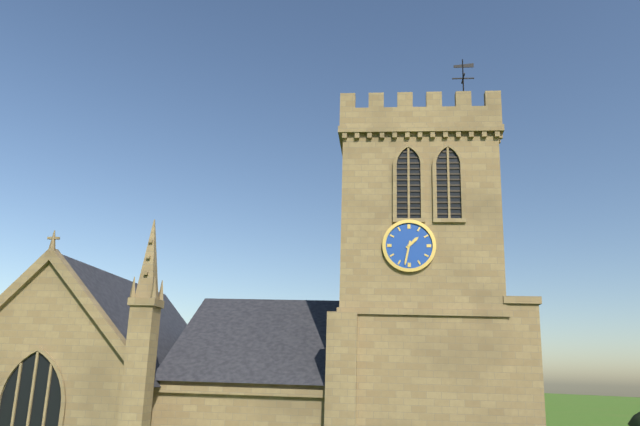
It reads **1:32**
